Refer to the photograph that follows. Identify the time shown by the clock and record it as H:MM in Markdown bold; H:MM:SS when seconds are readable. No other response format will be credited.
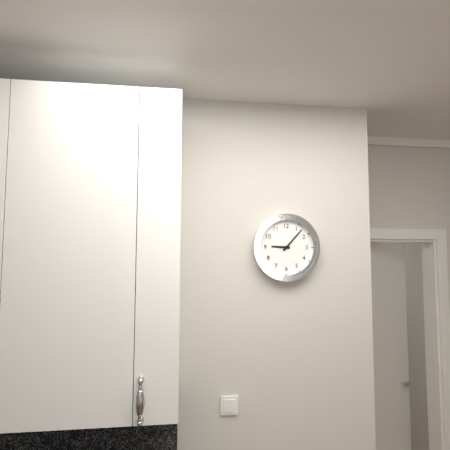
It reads **9:07**
